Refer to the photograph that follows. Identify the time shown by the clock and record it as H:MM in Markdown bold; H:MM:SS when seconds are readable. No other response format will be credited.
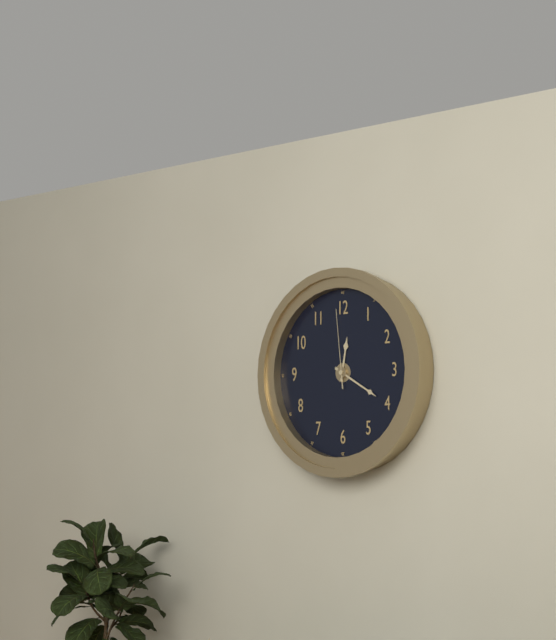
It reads **12:20:59**
